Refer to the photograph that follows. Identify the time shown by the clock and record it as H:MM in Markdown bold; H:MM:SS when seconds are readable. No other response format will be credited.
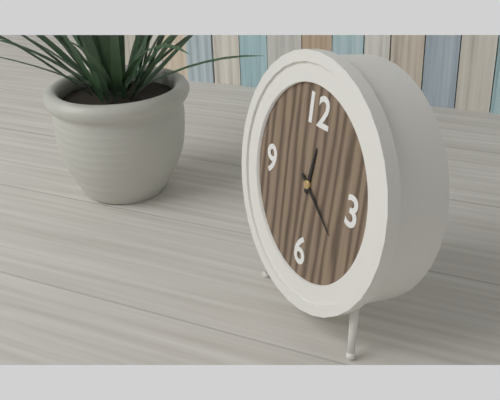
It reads **12:21**
